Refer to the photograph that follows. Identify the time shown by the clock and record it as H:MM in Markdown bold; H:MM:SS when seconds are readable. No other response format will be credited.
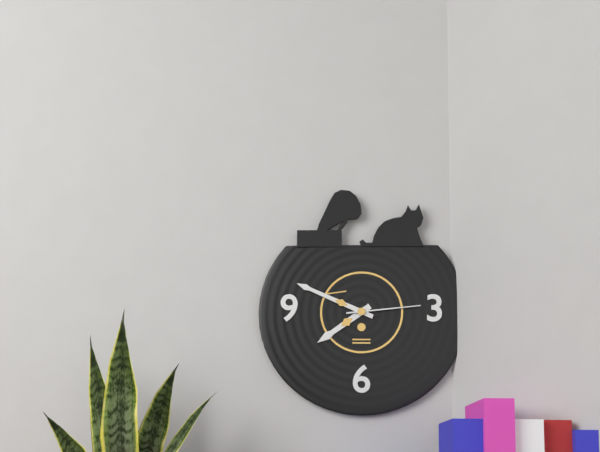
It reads **7:49:14**
